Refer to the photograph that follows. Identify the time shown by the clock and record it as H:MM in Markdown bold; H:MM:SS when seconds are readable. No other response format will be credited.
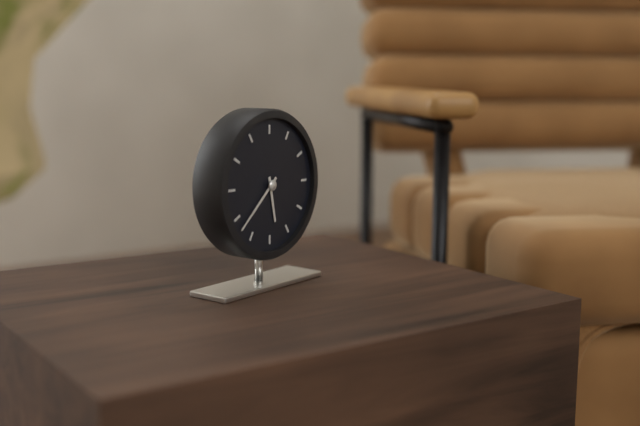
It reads **5:38**
